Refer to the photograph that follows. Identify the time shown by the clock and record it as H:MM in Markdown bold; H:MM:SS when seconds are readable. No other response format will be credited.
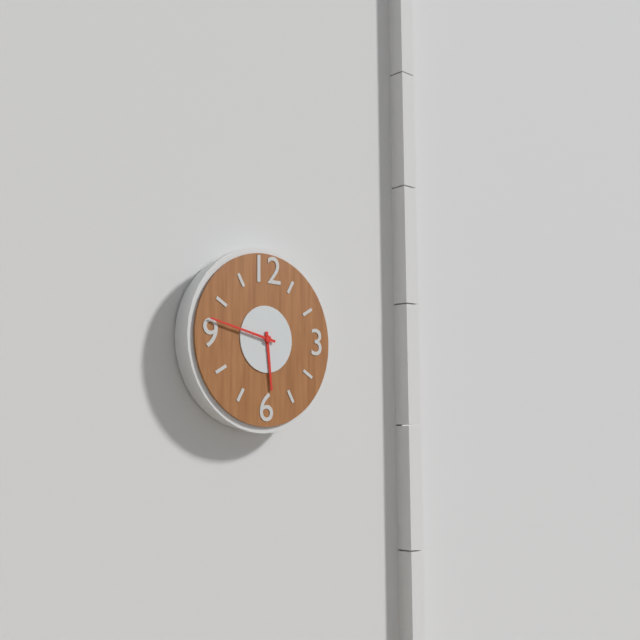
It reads **5:47**
